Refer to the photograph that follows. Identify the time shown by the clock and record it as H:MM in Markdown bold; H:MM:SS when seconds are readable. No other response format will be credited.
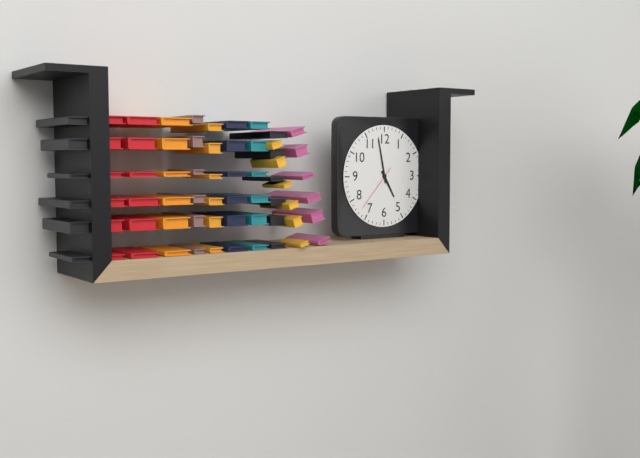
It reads **4:58:37**
